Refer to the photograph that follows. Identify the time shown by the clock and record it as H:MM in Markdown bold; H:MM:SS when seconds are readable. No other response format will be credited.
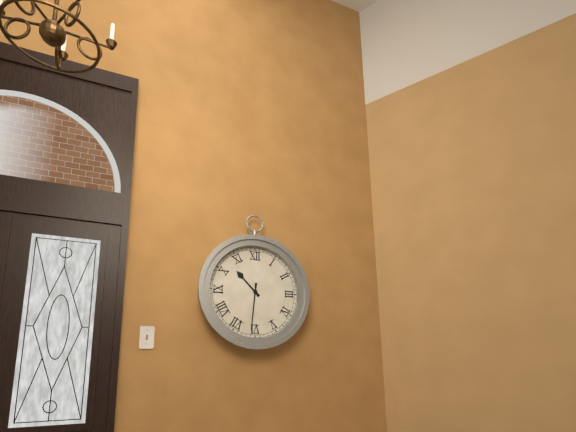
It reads **10:31**
